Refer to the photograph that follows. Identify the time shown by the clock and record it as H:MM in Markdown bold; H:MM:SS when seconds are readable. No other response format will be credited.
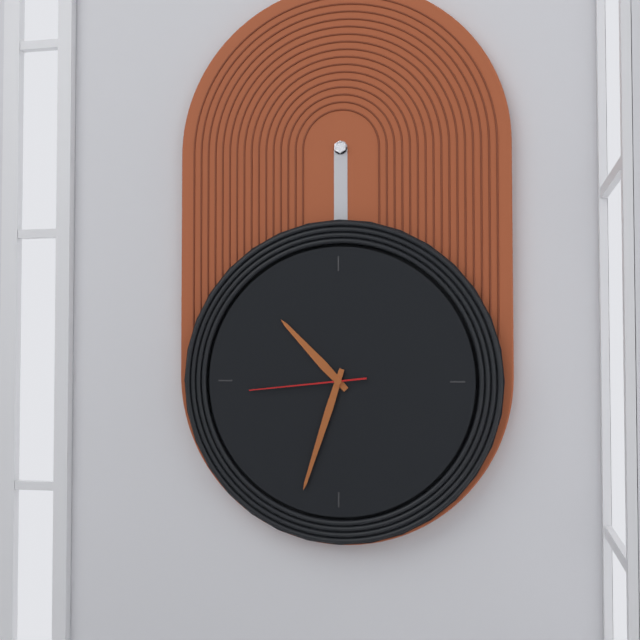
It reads **10:33:44**
